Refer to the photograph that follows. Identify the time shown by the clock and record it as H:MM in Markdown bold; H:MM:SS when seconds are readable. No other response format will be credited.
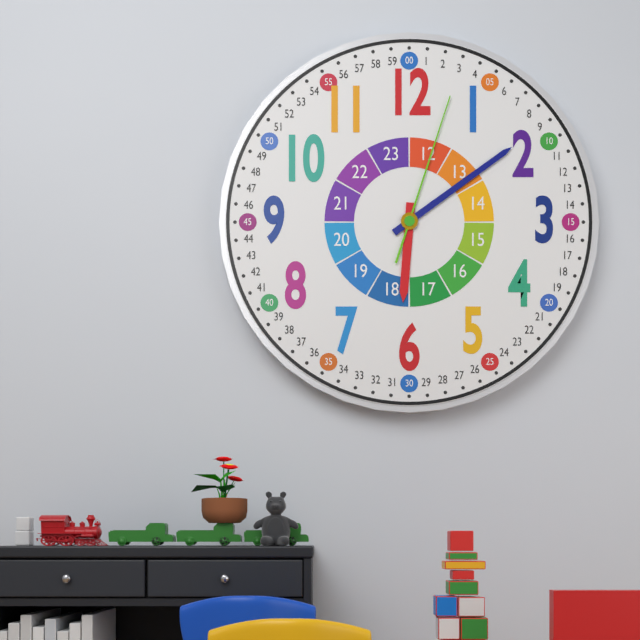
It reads **6:09:03**
